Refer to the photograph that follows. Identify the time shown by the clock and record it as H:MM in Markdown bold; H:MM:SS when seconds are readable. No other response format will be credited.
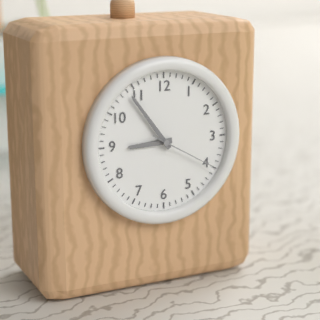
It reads **8:54:20**
